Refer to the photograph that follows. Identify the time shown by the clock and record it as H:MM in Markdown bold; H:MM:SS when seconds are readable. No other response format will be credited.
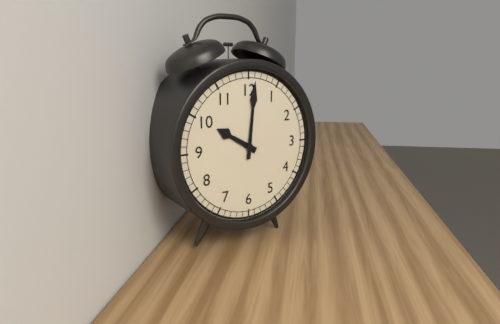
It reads **10:01**
